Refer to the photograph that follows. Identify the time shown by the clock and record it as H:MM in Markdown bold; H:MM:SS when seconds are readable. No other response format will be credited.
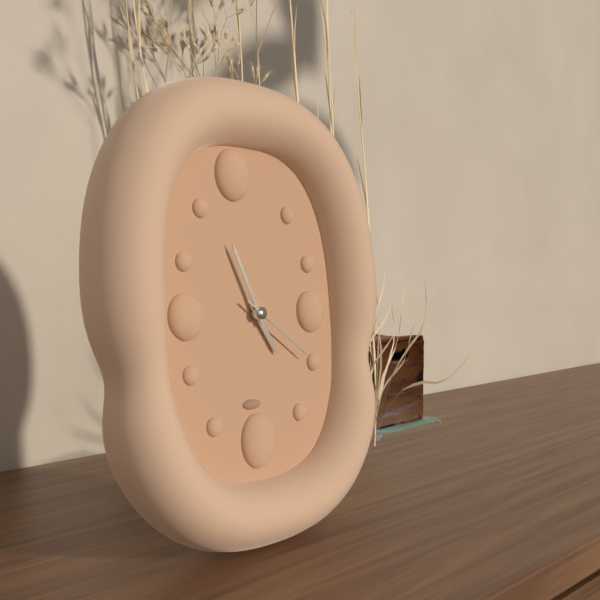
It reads **4:56:21**
